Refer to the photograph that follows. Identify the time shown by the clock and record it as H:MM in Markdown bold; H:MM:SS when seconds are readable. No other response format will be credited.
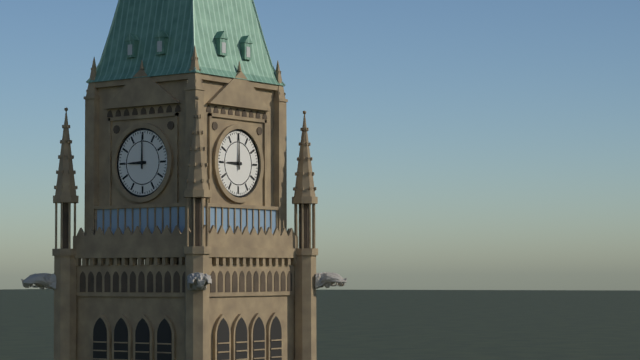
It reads **9:00**
